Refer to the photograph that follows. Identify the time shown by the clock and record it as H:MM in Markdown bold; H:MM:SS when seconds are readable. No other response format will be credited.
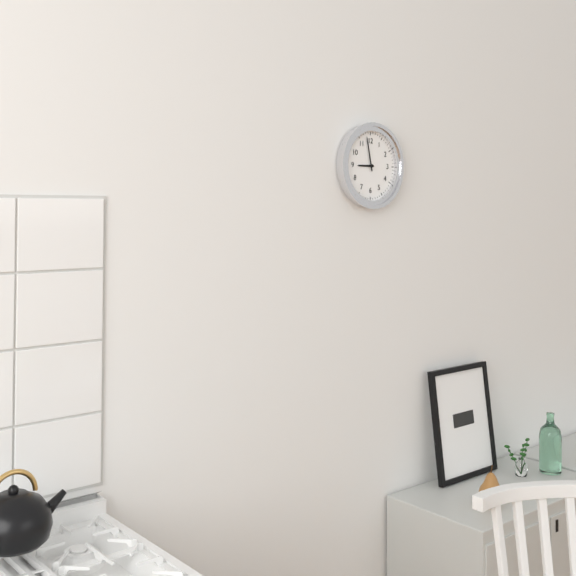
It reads **8:58**
